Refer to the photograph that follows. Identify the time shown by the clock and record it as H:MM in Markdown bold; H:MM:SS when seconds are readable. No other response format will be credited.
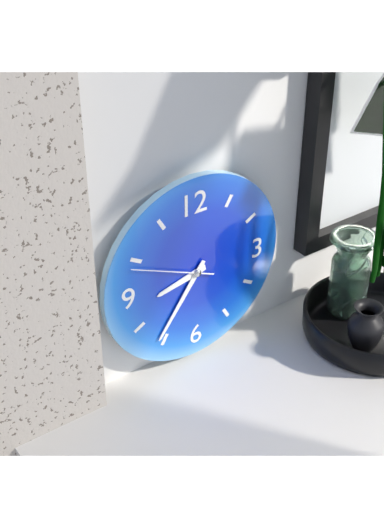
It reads **8:36:49**
